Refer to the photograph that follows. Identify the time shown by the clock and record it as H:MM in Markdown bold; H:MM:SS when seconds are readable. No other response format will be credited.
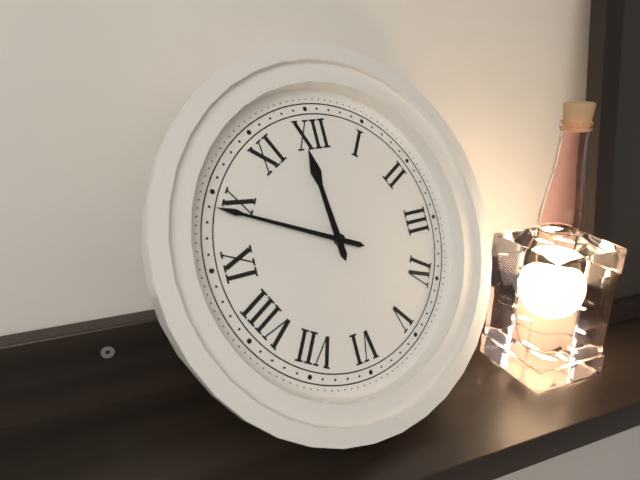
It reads **11:49**
